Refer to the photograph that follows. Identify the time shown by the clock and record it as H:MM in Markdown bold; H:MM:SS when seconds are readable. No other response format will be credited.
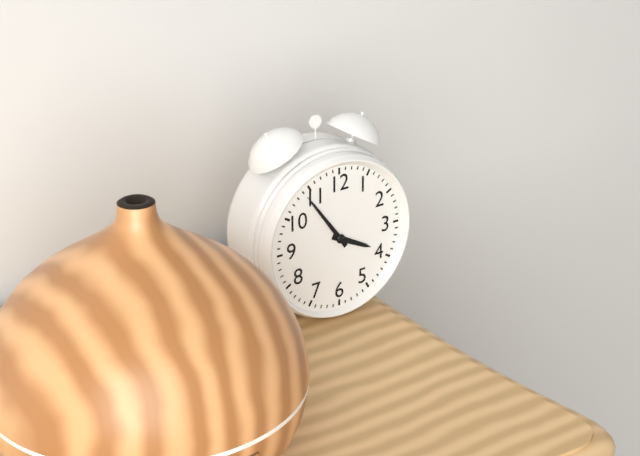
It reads **3:54**
